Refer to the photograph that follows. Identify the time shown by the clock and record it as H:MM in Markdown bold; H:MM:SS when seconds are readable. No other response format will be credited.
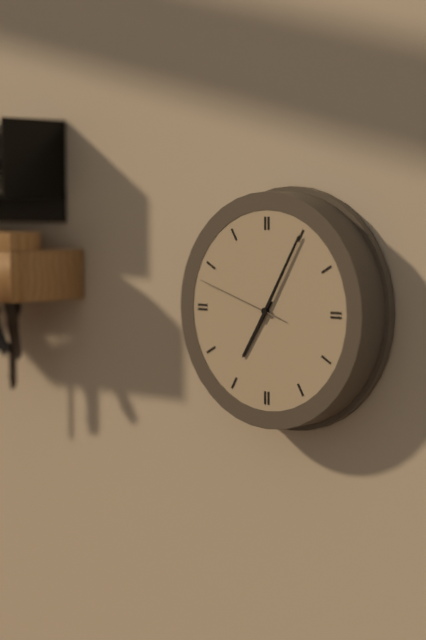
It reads **7:05:48**
